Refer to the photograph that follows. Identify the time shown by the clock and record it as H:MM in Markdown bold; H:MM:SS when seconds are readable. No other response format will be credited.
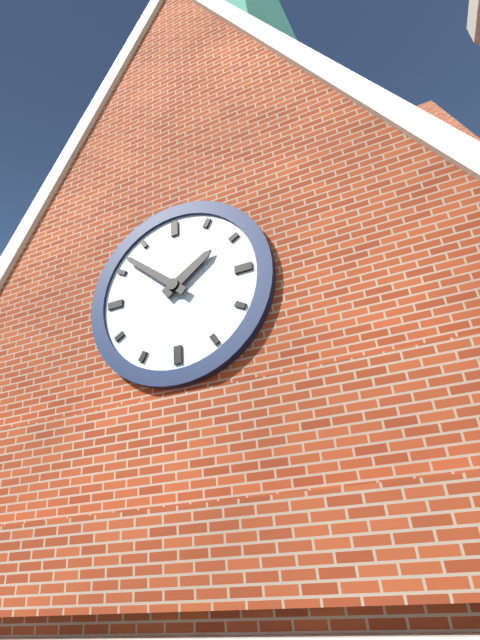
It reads **1:52**
